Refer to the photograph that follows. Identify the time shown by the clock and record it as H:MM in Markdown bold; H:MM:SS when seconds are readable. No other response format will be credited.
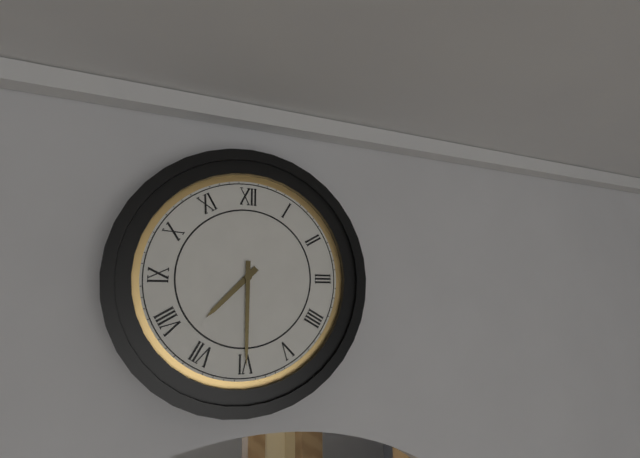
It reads **7:30**
